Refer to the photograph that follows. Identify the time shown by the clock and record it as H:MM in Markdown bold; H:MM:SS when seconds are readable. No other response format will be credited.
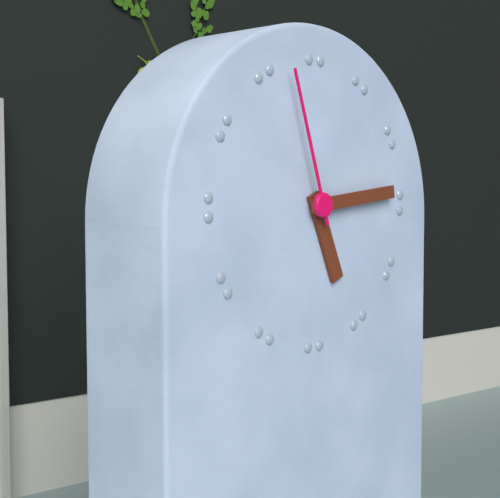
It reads **5:14:57**
